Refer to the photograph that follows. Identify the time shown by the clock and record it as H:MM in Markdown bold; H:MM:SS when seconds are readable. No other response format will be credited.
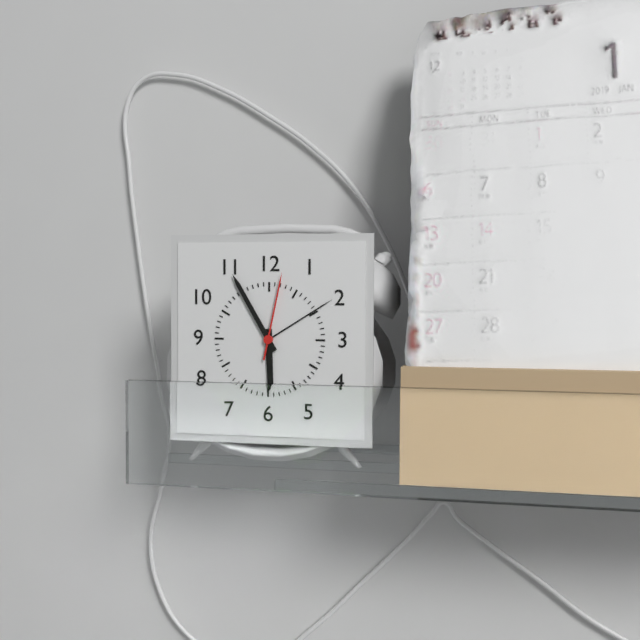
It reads **5:55:02**
